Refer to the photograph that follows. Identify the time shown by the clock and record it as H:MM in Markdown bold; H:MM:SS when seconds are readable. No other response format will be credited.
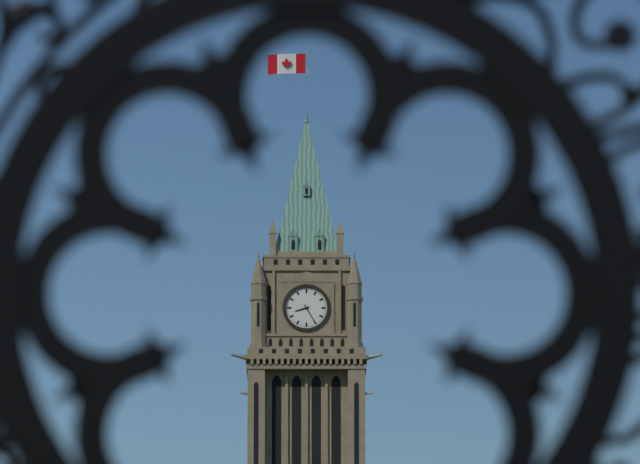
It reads **8:25**
